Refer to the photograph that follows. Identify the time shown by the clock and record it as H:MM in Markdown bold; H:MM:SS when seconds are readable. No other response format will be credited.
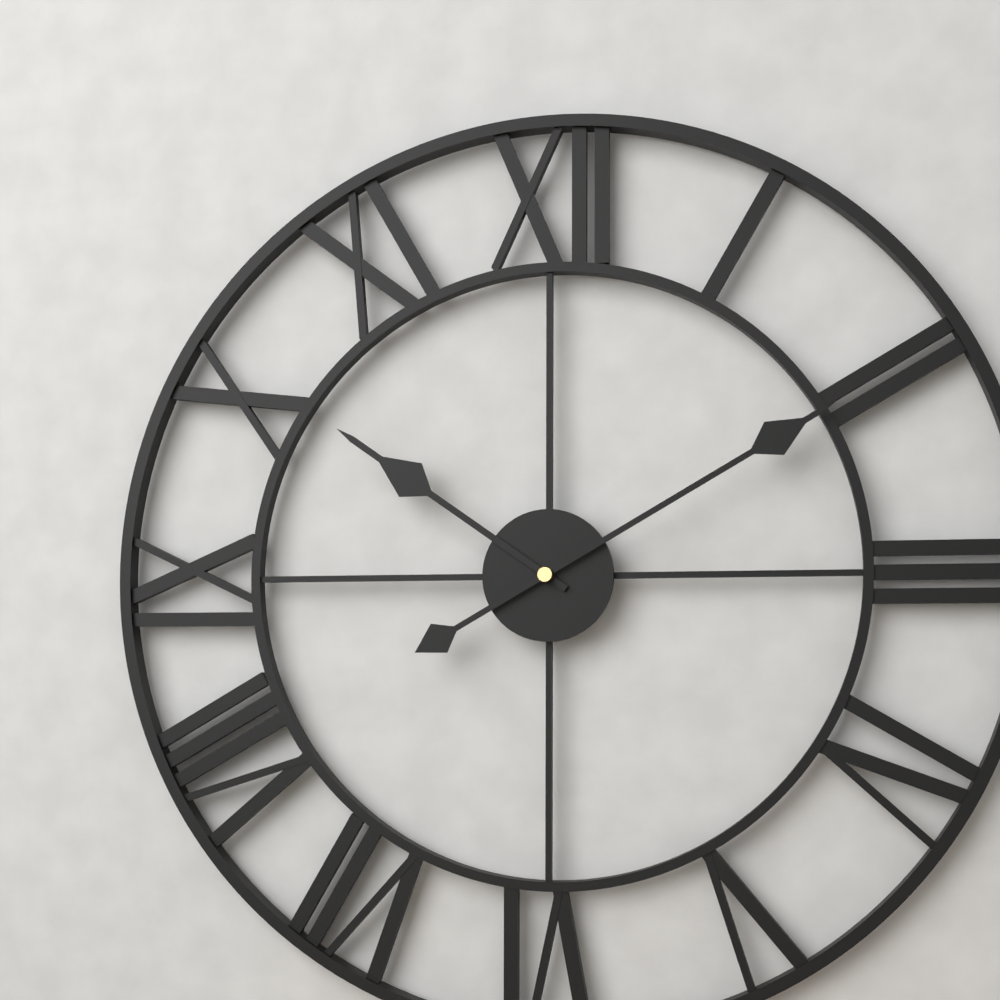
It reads **10:10**
